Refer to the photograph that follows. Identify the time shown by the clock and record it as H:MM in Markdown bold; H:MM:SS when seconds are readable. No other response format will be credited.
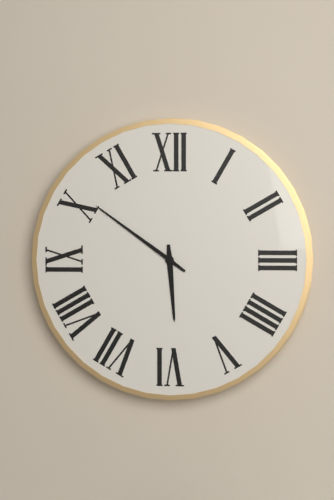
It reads **5:51**
